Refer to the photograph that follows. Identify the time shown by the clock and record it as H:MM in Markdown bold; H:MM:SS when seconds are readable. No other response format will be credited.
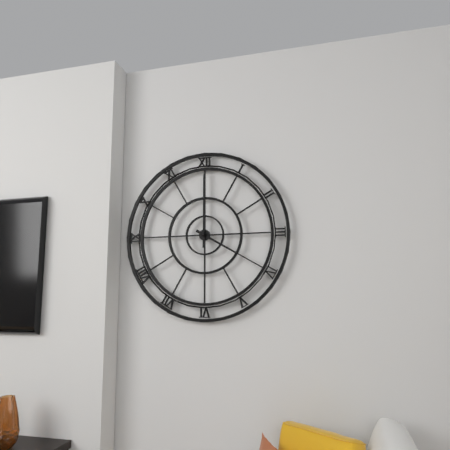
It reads **4:00**
